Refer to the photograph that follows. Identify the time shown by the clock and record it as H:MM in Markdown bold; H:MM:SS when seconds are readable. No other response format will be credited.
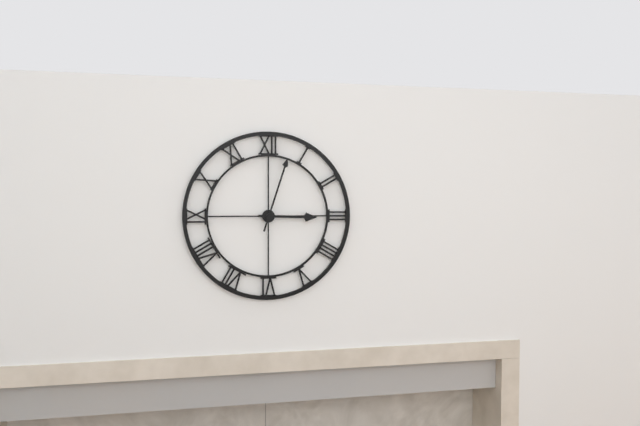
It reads **3:03**
